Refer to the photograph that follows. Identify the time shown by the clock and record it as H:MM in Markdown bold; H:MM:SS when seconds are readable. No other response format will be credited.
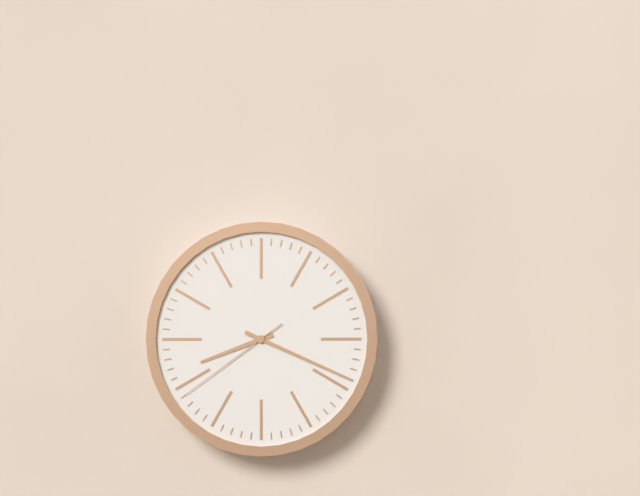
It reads **8:19:39**
